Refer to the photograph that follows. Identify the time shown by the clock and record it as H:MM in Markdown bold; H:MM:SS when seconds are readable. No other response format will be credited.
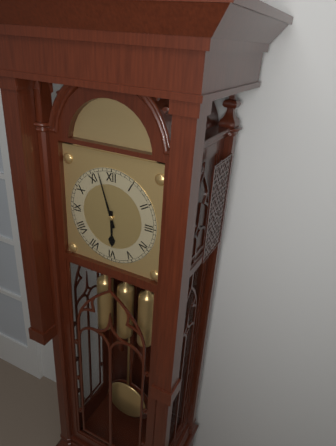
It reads **5:57**
